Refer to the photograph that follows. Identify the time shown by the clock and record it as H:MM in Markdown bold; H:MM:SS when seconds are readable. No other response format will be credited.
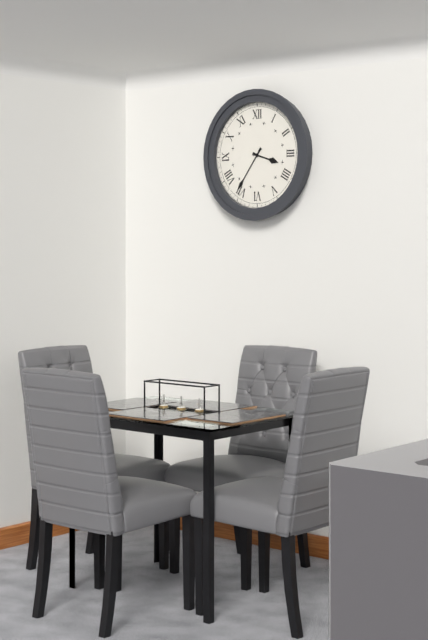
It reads **3:36**
